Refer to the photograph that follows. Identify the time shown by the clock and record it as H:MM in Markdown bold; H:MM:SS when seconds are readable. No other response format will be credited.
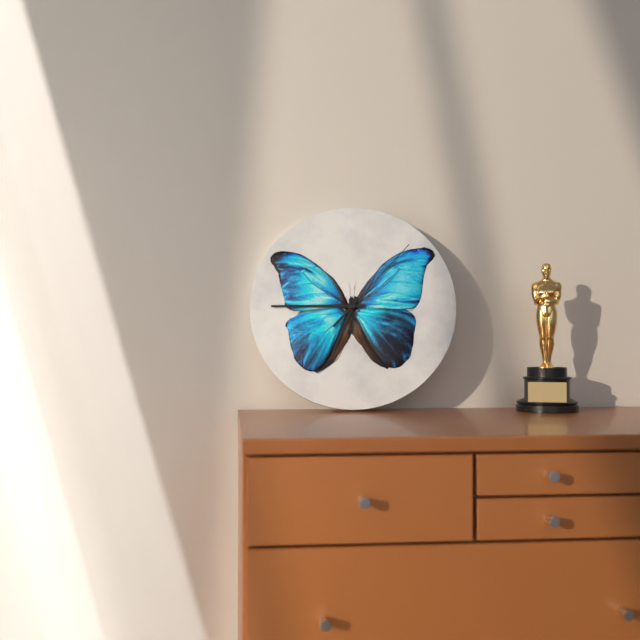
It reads **6:45:07**
